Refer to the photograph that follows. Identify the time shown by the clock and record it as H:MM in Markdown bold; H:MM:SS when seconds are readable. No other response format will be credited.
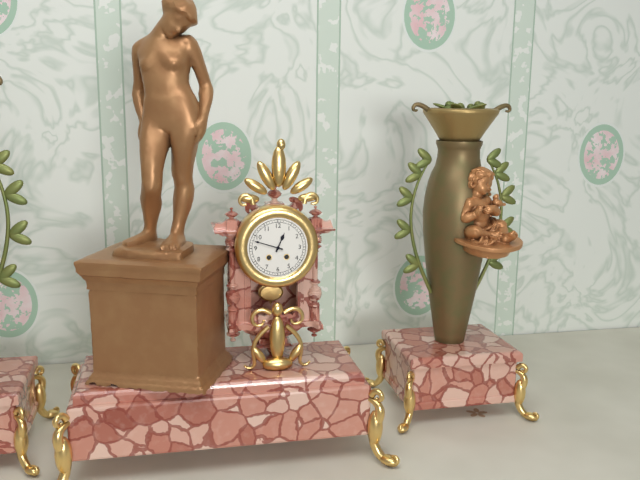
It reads **12:48**
